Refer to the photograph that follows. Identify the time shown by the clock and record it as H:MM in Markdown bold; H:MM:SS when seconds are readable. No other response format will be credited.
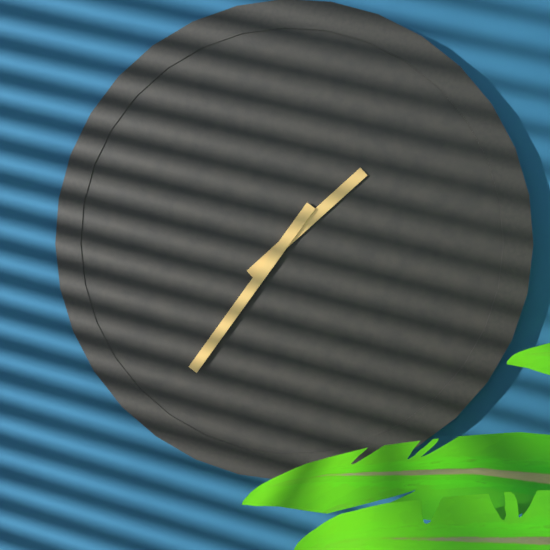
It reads **1:36**
